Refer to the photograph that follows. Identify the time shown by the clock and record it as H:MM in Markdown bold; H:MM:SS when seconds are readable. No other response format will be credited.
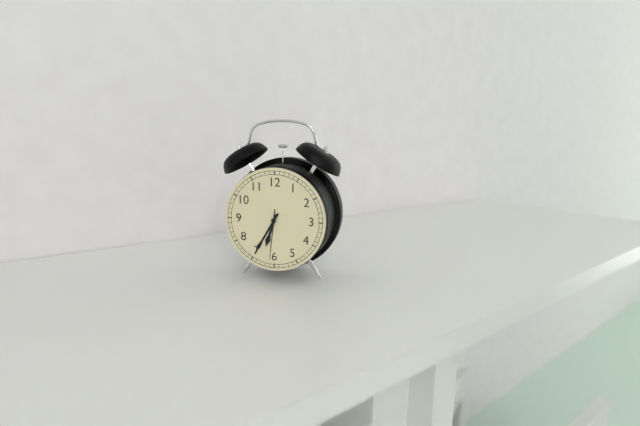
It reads **6:35**
